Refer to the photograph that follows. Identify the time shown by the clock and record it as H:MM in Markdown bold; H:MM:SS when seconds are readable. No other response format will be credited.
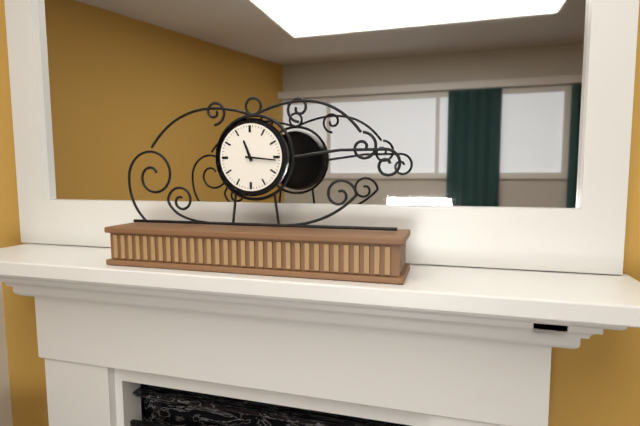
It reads **11:16**
